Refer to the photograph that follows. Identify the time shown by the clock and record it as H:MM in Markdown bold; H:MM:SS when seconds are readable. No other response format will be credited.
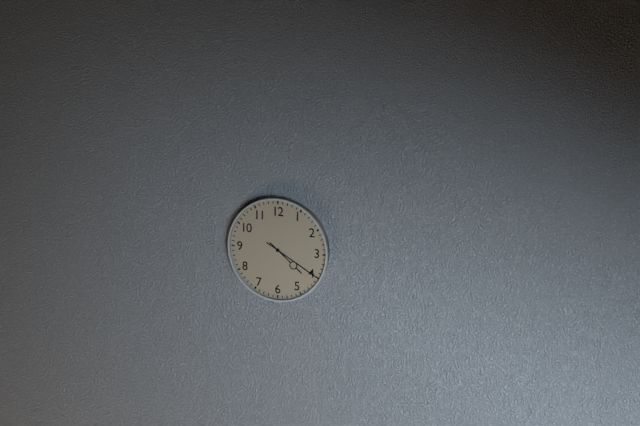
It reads **4:20**
